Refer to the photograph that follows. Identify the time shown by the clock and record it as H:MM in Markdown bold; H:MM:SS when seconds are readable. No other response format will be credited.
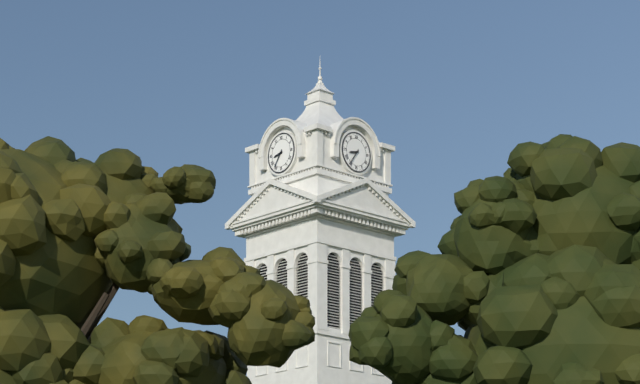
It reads **8:36**
